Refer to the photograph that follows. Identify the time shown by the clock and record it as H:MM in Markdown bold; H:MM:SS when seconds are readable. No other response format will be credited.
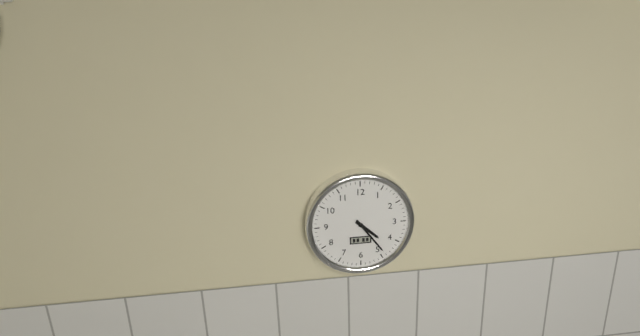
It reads **4:24**
